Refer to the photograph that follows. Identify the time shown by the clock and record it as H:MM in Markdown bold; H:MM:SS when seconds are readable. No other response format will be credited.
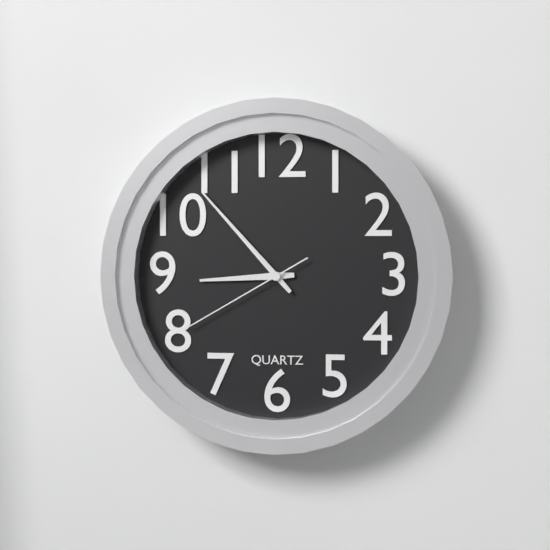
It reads **8:53:40**
